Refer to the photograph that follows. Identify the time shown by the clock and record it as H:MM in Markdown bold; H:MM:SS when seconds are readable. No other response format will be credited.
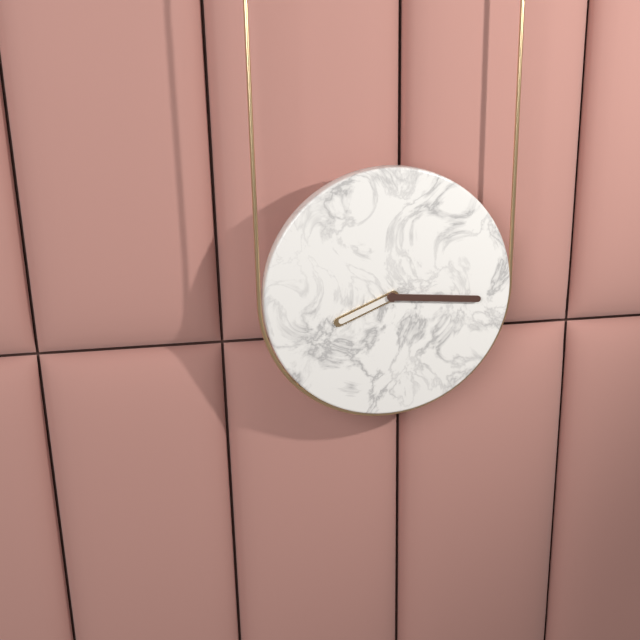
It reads **8:16**
